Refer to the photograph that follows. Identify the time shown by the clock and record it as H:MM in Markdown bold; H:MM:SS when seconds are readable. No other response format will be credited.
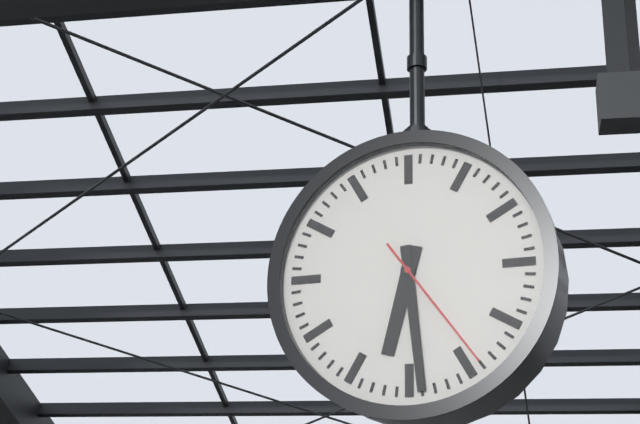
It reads **6:29:24**
